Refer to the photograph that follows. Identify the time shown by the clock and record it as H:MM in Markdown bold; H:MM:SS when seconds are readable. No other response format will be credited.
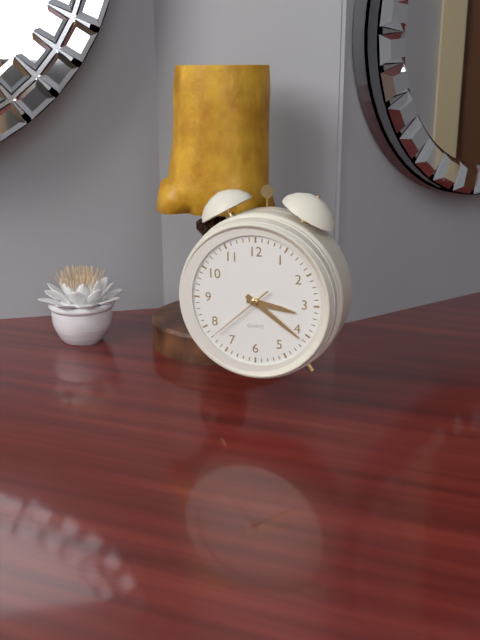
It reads **3:21:38**
